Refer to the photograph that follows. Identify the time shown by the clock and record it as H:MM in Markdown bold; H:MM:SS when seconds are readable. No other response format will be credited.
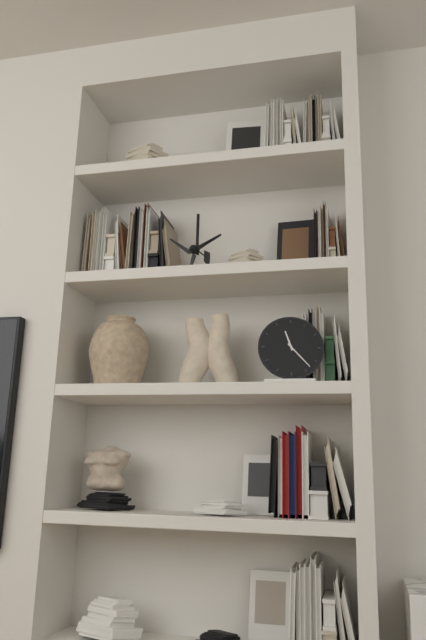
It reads **11:23**
